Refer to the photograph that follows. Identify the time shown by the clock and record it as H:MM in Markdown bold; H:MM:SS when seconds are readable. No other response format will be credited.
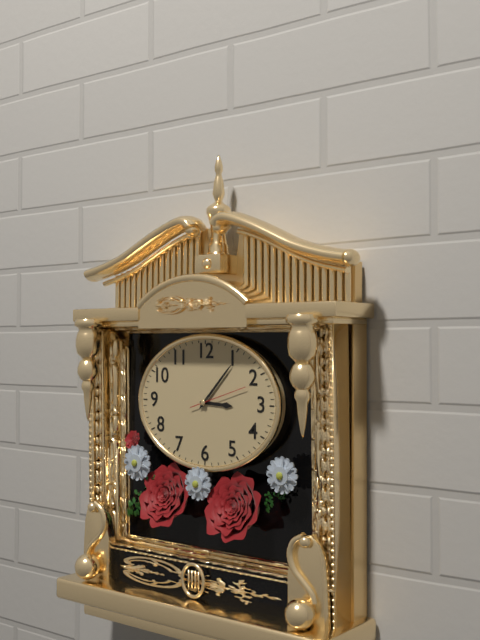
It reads **3:07:12**
